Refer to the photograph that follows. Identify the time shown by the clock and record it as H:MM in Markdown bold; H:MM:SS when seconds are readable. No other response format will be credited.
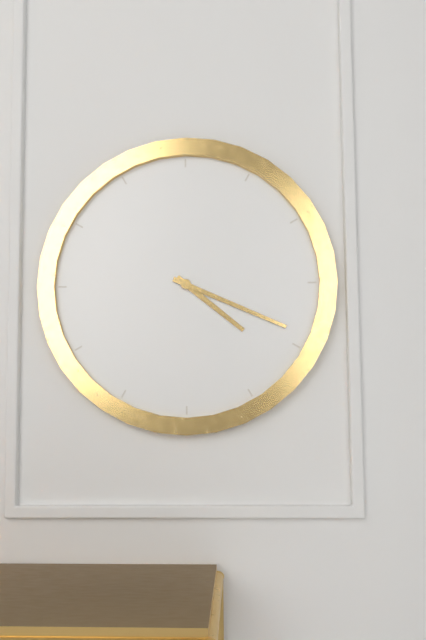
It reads **4:19**
